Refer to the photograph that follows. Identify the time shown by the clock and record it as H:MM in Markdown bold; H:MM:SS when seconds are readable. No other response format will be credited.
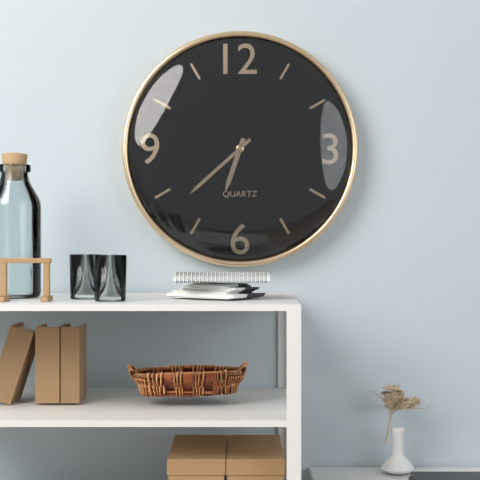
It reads **6:38**
